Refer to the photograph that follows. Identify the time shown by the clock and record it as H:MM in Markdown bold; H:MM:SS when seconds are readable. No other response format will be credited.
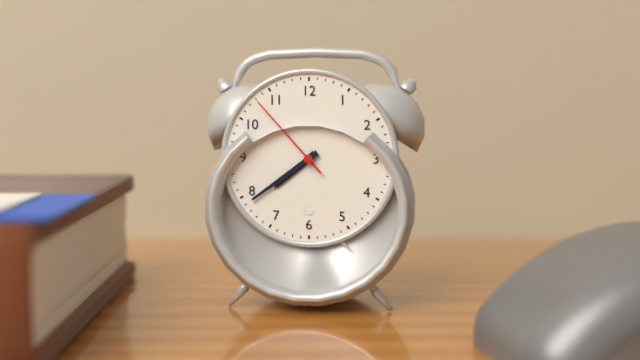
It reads **7:39:53**
